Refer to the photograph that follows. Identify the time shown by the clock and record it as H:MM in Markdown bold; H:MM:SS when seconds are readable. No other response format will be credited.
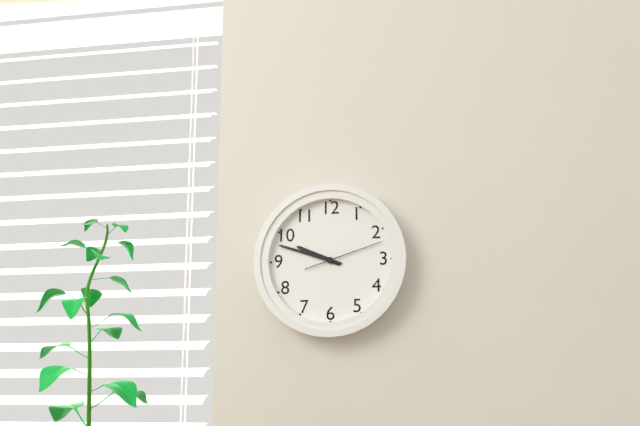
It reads **9:48:12**
